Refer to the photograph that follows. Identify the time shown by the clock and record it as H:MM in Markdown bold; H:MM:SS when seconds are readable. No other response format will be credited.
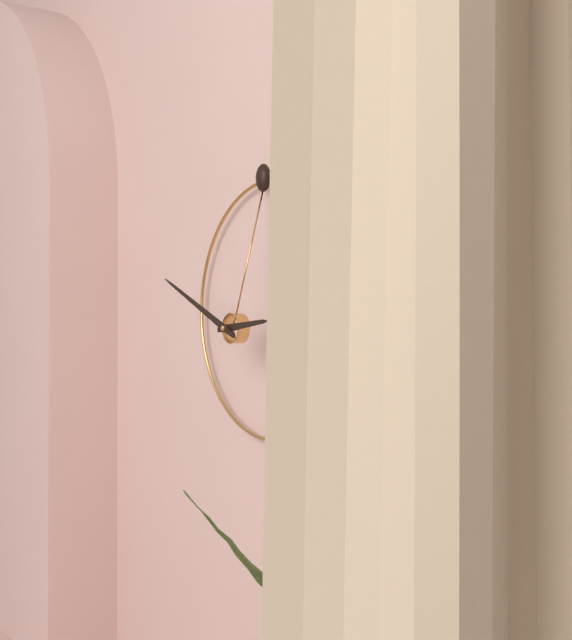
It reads **2:49**
